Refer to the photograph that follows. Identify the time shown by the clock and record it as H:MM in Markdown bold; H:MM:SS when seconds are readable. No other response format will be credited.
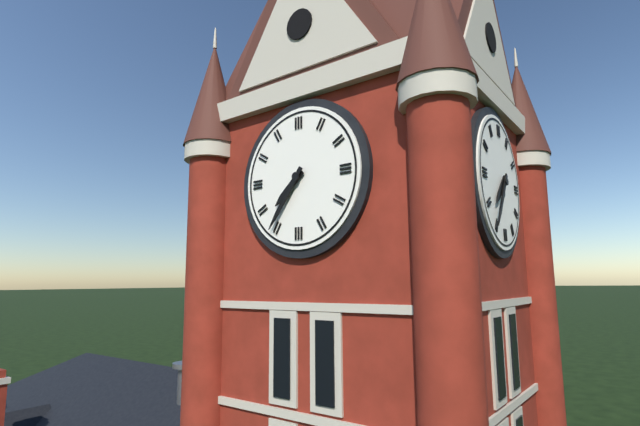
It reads **7:36**
